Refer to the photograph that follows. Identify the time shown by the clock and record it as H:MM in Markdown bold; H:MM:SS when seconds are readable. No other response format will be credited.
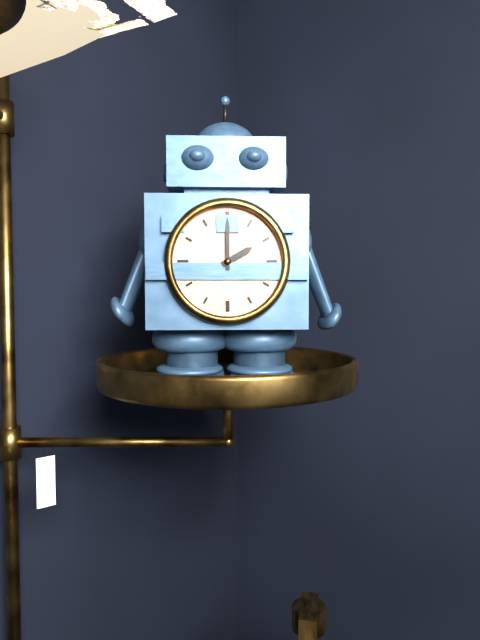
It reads **2:00**
